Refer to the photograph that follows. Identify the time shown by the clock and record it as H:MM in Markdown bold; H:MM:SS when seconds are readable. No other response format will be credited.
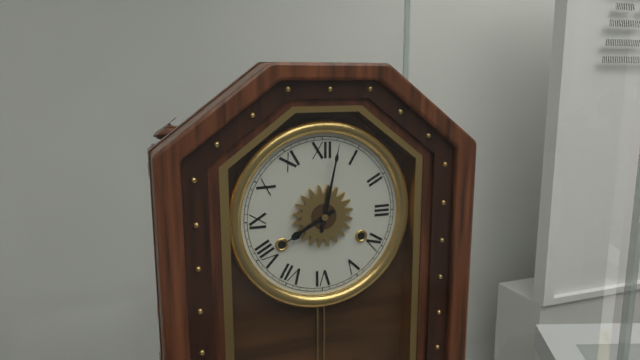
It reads **8:02**
